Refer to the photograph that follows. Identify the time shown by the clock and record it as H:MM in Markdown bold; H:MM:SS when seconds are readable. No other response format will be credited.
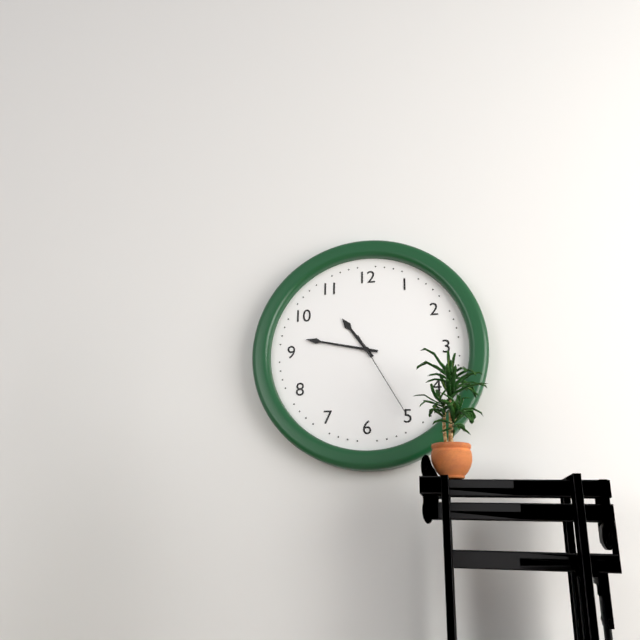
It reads **10:47:25**
